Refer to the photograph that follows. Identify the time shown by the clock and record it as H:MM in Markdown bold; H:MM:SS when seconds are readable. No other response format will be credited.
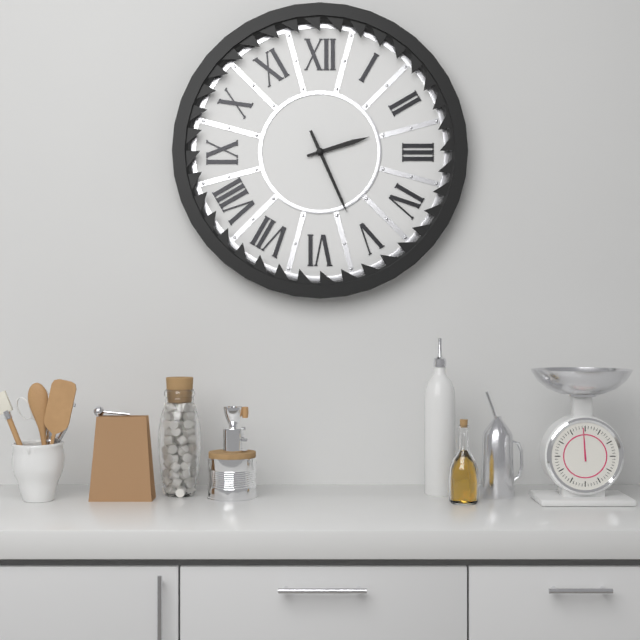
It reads **2:26**
